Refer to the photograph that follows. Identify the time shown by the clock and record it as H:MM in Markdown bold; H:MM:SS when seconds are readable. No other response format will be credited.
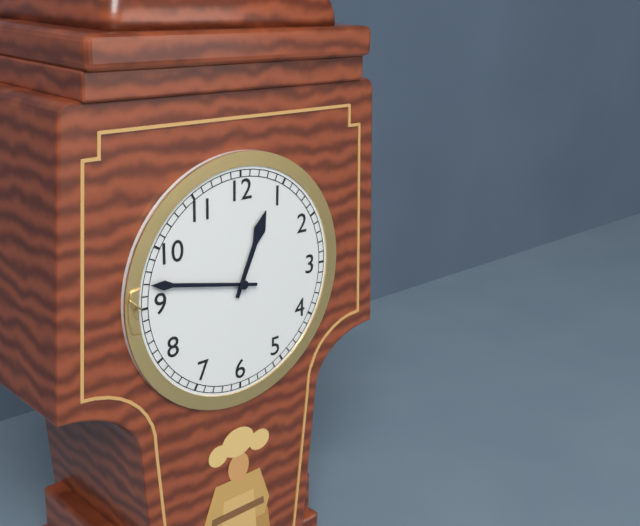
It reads **12:47**
